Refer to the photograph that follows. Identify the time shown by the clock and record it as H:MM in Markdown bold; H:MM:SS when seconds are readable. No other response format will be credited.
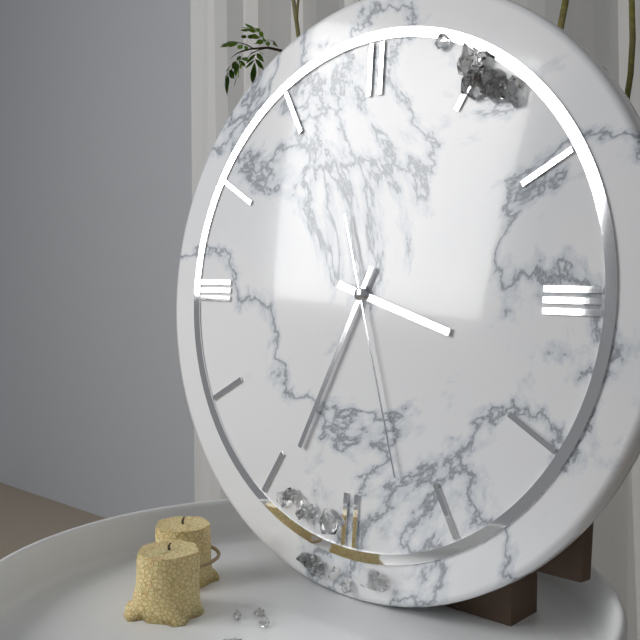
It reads **3:34:27**
